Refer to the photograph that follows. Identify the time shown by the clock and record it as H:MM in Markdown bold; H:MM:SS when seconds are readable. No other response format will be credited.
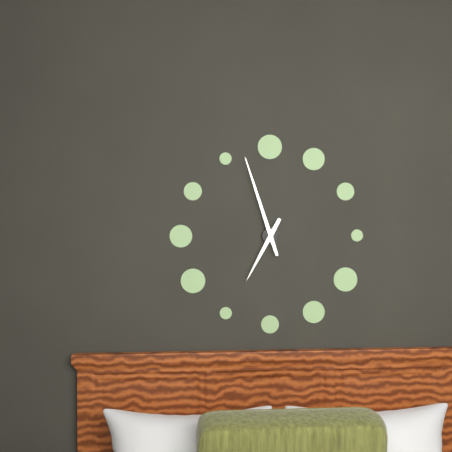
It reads **6:57**
